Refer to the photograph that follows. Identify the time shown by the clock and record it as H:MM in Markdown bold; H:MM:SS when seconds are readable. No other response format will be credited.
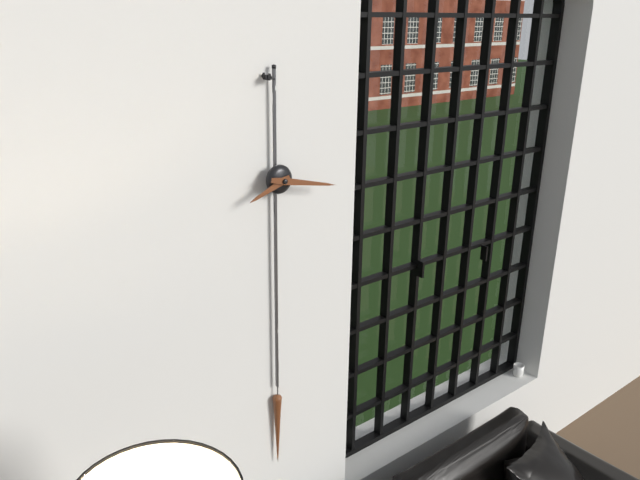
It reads **8:17**
